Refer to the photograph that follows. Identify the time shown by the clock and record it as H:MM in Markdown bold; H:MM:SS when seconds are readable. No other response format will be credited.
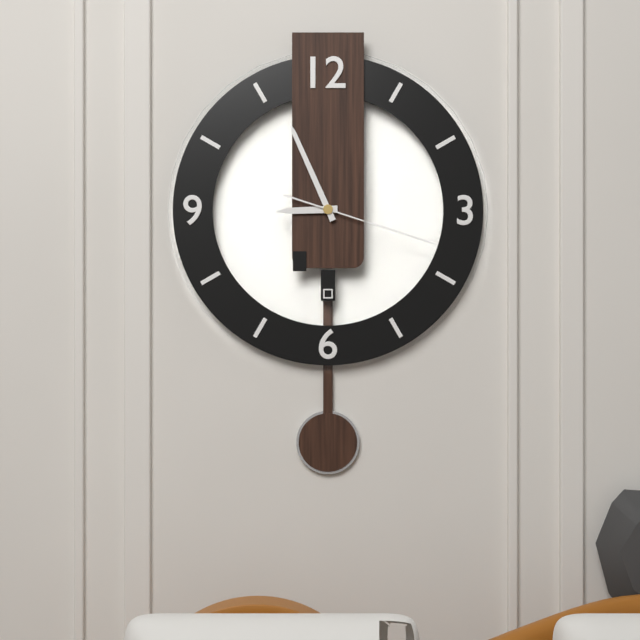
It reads **8:56:18**
